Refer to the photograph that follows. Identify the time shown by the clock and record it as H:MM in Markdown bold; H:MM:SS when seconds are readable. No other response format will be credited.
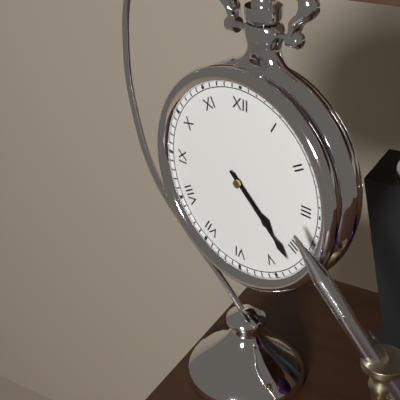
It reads **4:22**
